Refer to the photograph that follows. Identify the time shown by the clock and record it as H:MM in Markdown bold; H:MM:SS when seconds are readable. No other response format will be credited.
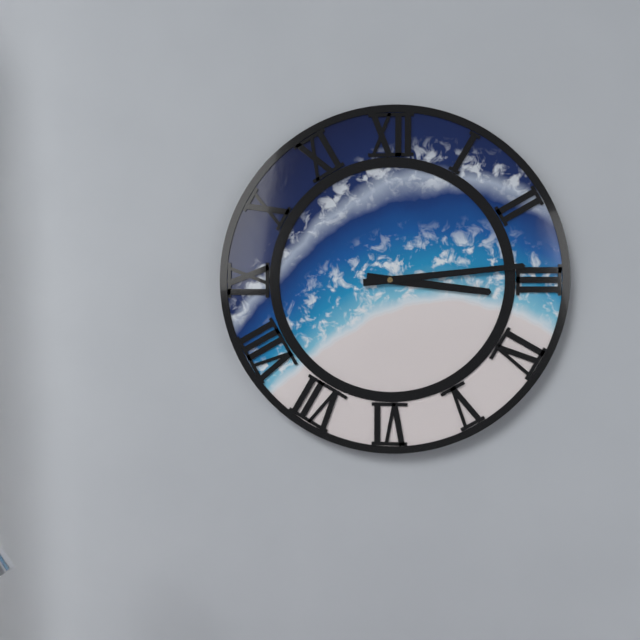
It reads **3:14**
